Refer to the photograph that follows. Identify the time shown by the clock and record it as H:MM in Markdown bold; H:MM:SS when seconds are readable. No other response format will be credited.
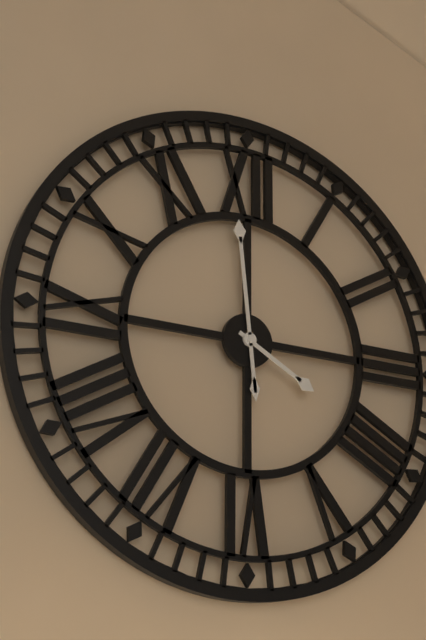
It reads **3:59**
